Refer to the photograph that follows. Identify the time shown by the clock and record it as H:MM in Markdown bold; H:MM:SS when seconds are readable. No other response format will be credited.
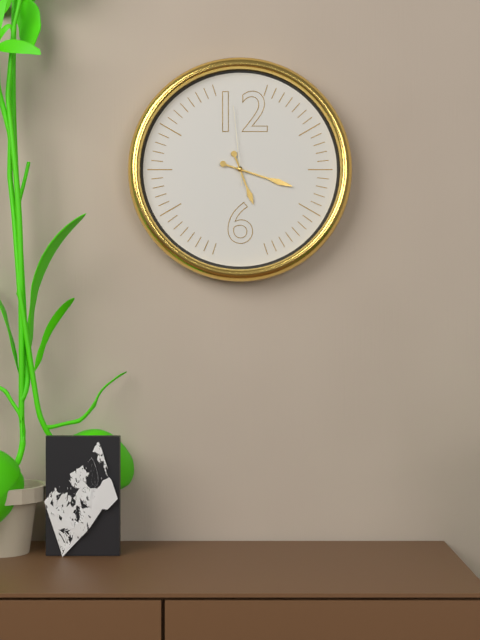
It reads **5:18:59**
